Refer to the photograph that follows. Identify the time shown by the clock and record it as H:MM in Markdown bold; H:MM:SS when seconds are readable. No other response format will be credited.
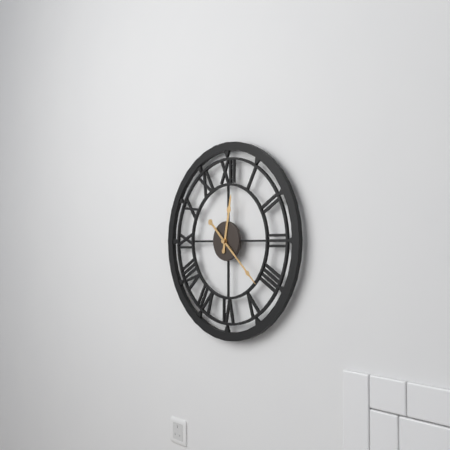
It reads **12:22**
